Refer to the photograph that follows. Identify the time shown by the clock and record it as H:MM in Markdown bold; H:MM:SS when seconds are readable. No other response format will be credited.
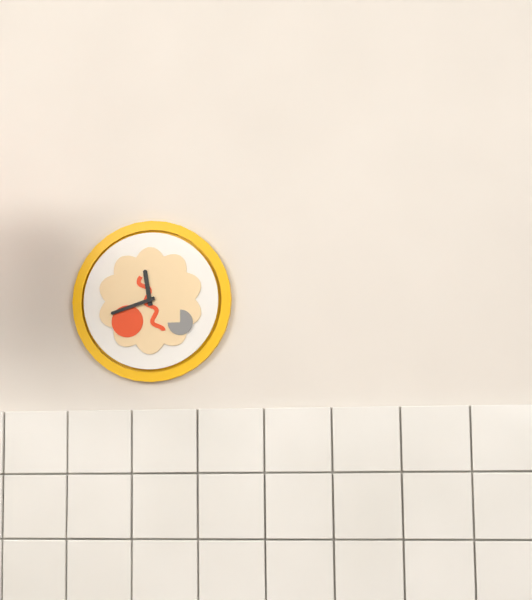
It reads **11:42**
